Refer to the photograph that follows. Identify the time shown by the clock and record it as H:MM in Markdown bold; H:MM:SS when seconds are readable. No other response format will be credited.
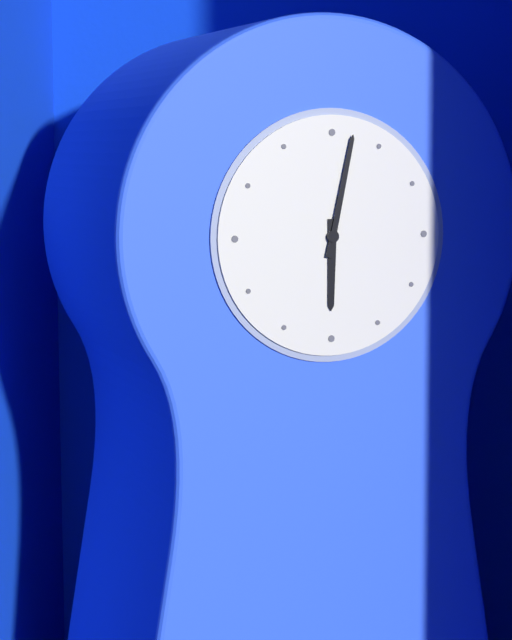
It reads **6:02**
